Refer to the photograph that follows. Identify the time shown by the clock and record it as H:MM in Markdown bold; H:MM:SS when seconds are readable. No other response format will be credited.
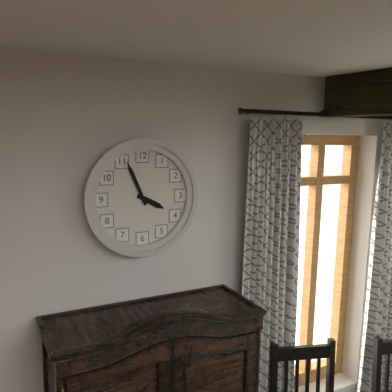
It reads **3:56**
